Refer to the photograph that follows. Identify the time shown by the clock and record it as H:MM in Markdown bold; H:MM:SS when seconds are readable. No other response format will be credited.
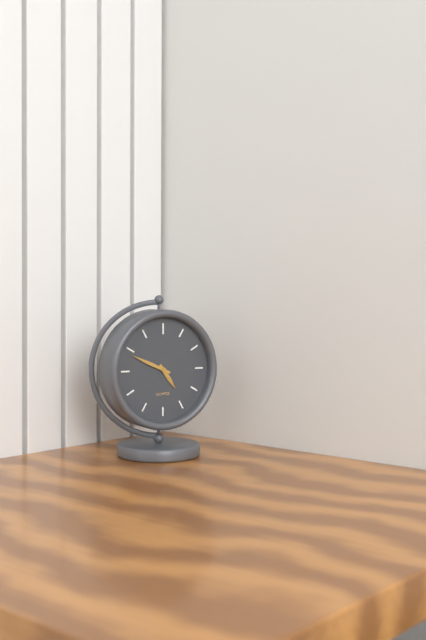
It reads **4:49**
